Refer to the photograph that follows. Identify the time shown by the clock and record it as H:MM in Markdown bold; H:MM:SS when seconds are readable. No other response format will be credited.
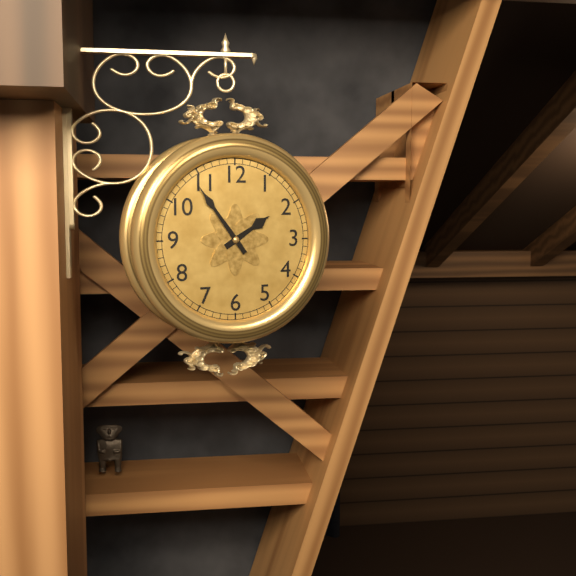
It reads **1:54**
